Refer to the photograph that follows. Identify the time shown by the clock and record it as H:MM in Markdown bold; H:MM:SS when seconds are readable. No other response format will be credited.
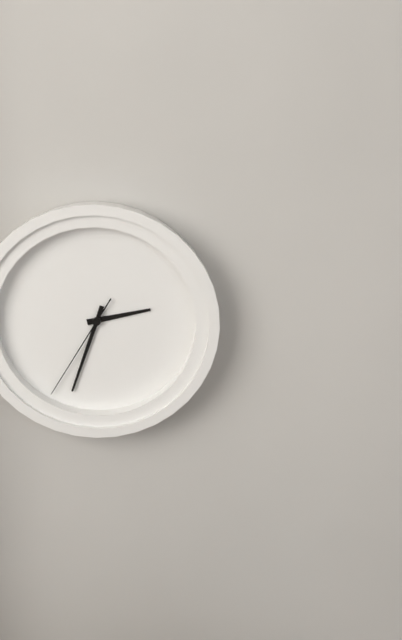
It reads **2:33:35**
